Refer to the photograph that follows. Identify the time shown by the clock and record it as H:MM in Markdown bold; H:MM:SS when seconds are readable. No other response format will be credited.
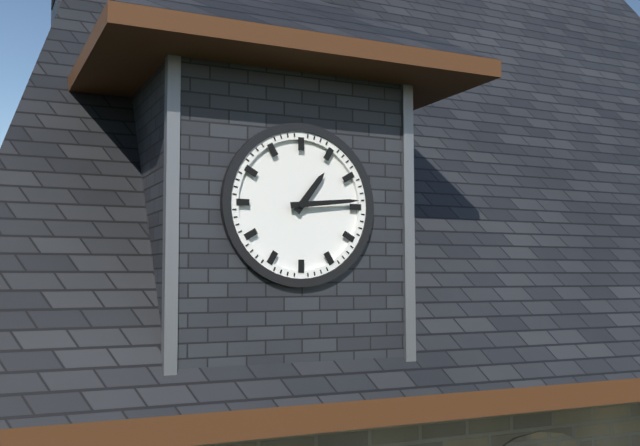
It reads **1:14**
